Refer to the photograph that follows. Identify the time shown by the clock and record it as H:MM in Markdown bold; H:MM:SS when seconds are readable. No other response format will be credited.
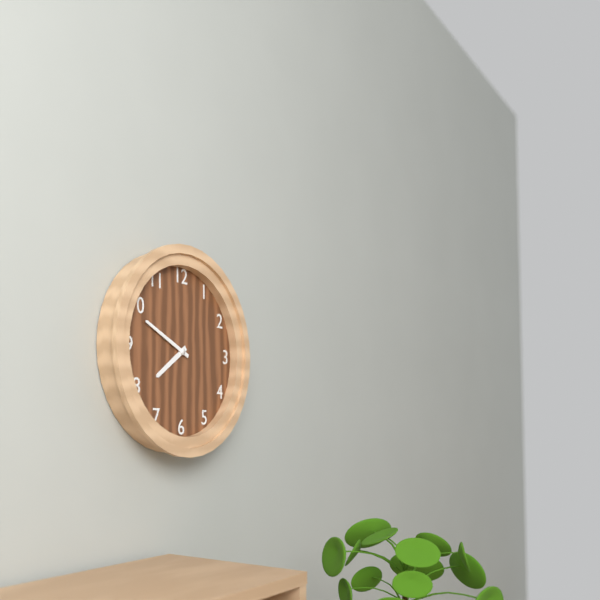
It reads **7:49**
